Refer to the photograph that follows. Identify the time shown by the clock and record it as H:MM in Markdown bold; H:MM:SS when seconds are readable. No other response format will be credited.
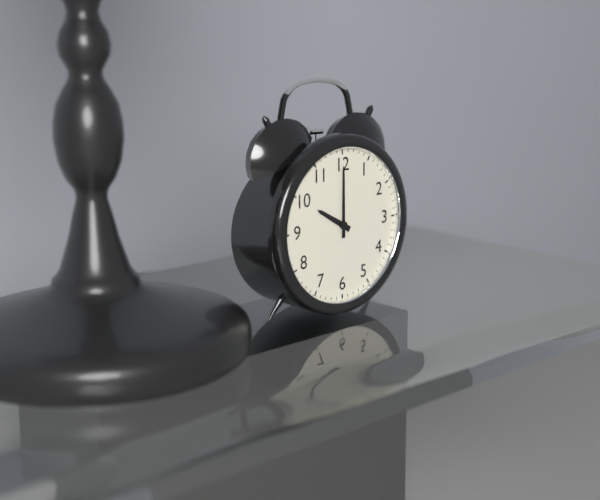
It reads **10:00**
